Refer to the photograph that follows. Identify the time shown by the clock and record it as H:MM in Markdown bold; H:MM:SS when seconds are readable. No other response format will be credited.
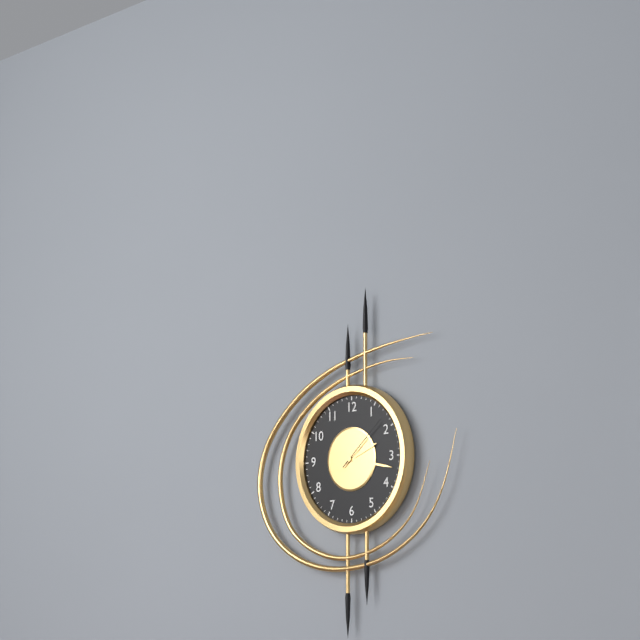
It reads **2:17:08**
